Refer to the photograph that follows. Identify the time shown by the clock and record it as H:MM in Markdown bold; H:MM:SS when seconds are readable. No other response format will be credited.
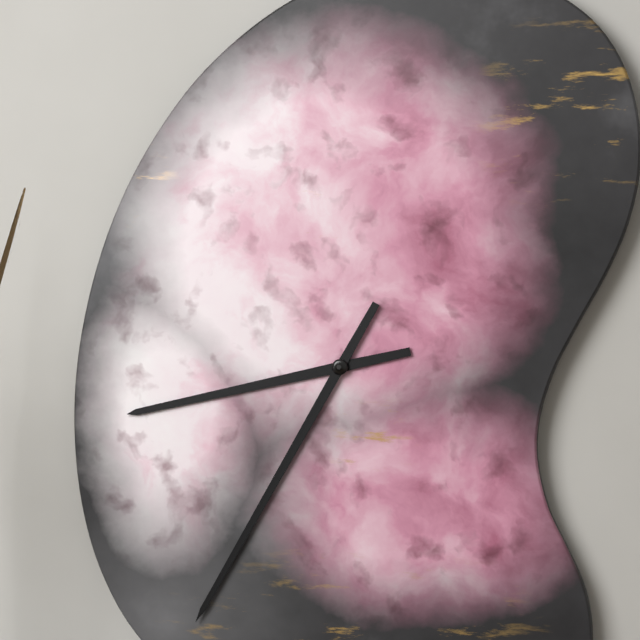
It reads **8:35**
